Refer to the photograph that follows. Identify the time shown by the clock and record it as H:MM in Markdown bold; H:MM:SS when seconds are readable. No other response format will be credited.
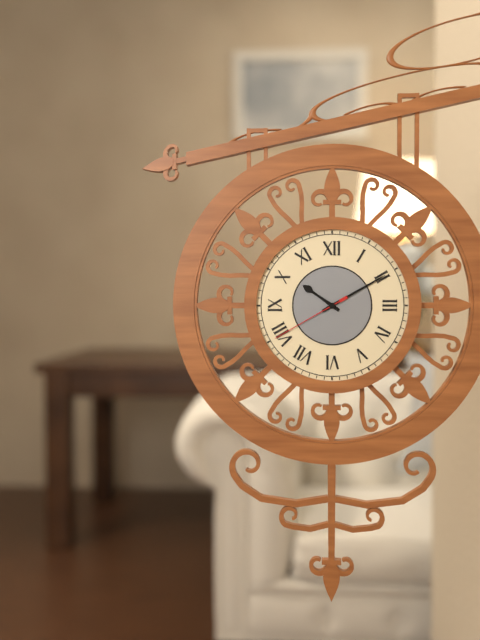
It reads **10:10:40**
